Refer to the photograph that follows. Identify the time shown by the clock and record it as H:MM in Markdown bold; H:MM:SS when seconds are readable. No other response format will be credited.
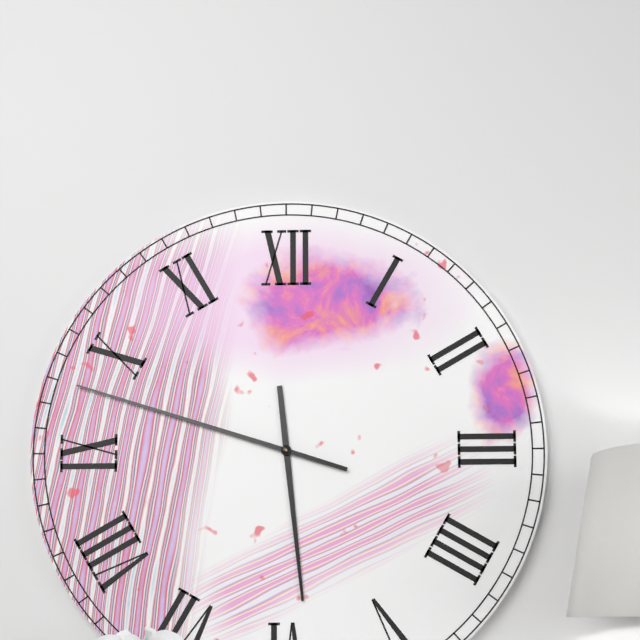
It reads **5:48**
